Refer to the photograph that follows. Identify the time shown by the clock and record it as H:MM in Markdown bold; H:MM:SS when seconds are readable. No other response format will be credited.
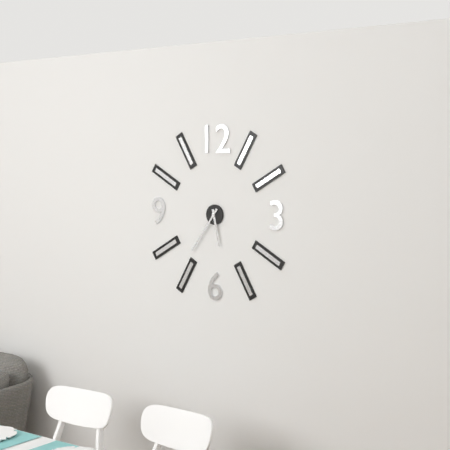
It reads **5:36**
